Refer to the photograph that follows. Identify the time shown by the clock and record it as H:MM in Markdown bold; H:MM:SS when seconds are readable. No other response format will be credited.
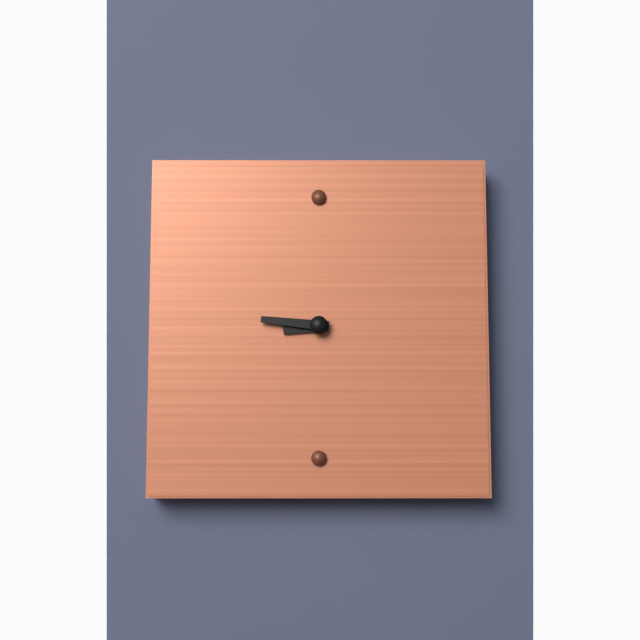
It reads **8:46**
